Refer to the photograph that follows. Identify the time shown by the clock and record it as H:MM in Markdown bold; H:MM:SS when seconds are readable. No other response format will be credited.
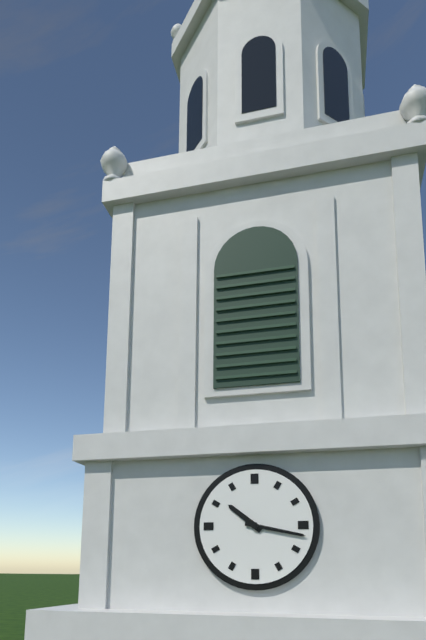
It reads **10:17**
